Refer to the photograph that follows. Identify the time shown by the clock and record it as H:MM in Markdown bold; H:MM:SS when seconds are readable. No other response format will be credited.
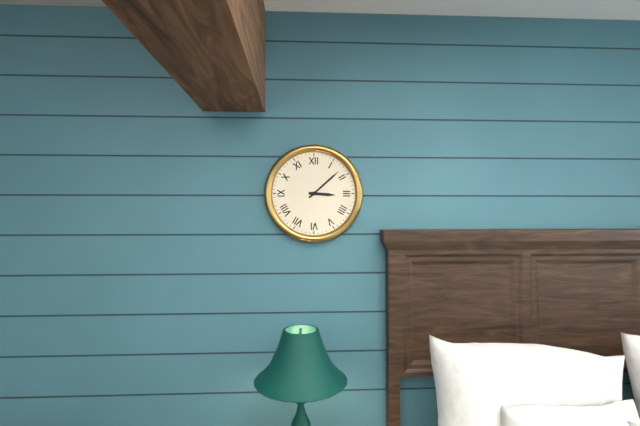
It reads **3:08**
